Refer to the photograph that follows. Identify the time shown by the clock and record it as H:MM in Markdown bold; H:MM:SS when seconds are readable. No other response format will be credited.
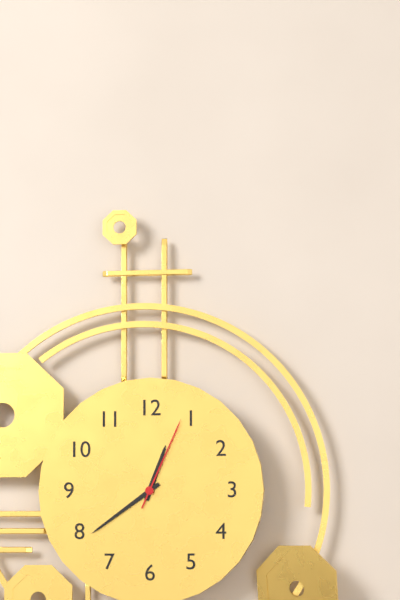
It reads **12:39:04**
